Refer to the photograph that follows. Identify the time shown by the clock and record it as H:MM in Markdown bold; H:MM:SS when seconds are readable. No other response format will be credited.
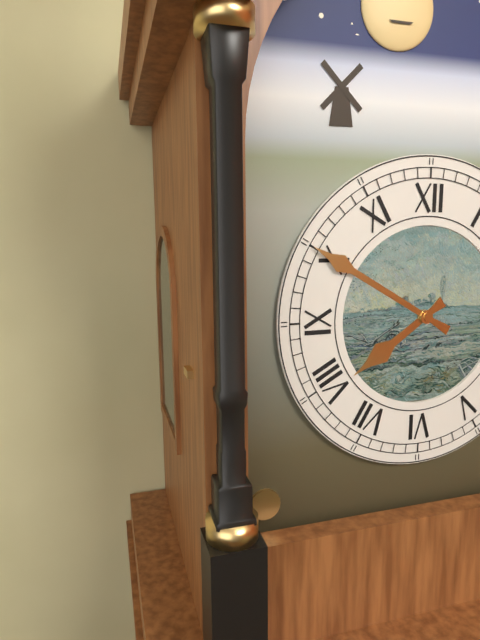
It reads **7:50**
